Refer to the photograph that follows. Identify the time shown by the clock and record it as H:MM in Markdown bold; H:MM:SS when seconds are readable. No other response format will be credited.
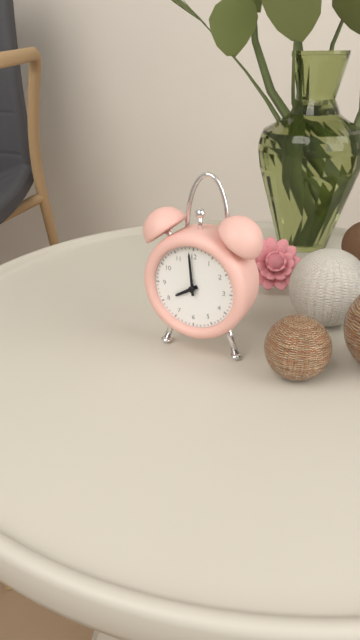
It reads **7:59**
